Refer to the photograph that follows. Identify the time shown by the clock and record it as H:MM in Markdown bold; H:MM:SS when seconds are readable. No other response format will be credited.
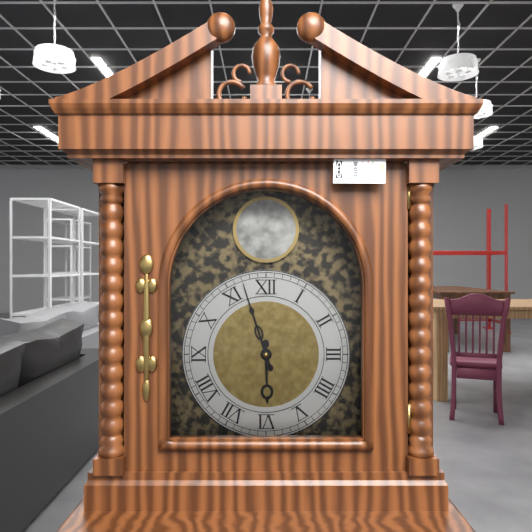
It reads **5:57**
